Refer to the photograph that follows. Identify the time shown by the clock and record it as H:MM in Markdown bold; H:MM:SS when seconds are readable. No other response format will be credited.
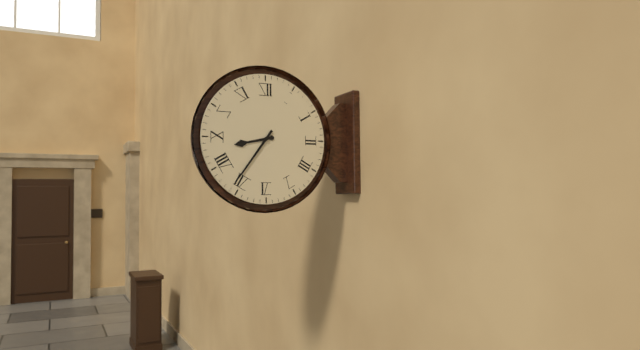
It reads **8:36**
